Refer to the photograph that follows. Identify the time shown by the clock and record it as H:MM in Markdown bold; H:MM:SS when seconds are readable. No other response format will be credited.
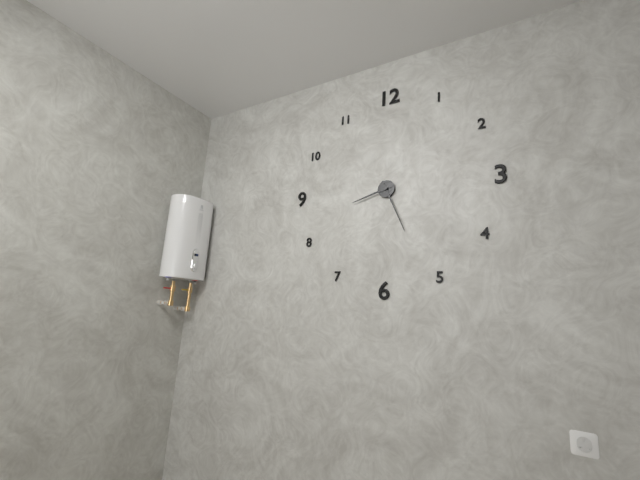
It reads **8:26**
